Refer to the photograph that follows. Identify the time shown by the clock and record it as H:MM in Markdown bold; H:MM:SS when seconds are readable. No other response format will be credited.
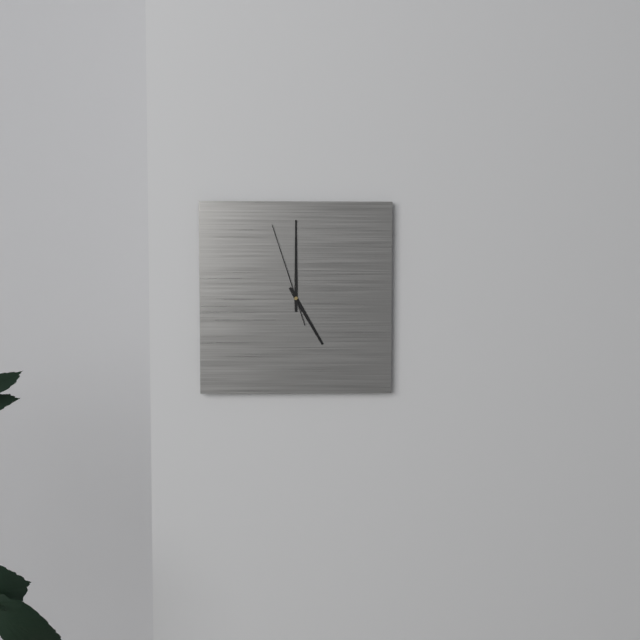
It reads **5:00:57**
